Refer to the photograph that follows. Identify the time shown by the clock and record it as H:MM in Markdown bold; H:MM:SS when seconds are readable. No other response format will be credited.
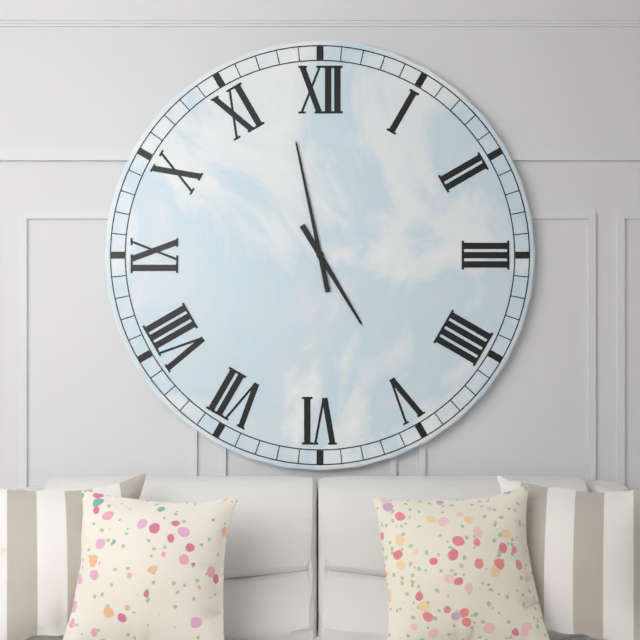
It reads **4:58**
